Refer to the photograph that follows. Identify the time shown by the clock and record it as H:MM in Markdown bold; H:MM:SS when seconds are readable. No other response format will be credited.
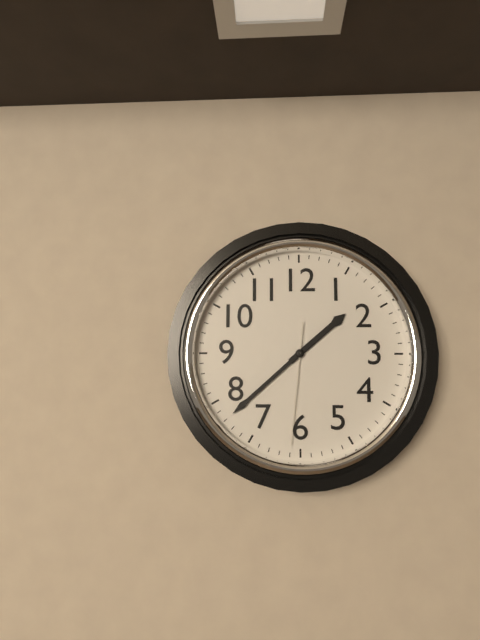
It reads **1:38:31**
